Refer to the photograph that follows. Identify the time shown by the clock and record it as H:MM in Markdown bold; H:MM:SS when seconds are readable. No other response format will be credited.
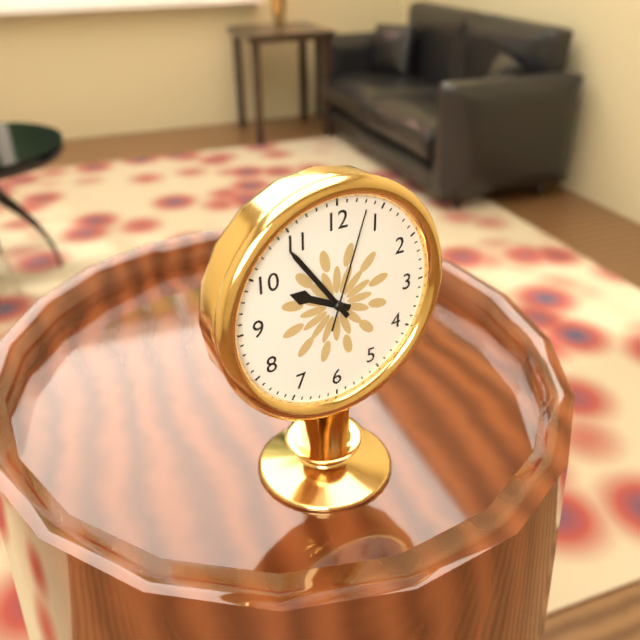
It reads **9:54:03**
